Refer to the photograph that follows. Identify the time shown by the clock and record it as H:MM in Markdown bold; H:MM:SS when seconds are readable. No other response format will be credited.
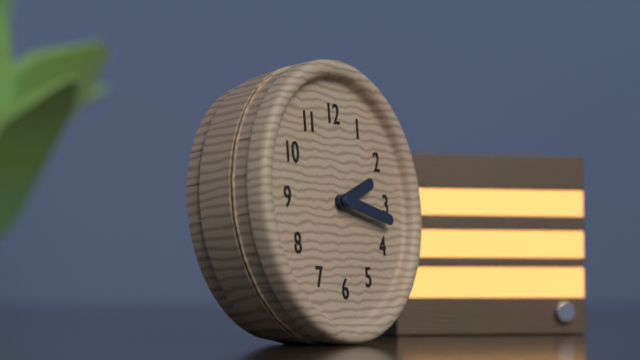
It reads **2:17**
